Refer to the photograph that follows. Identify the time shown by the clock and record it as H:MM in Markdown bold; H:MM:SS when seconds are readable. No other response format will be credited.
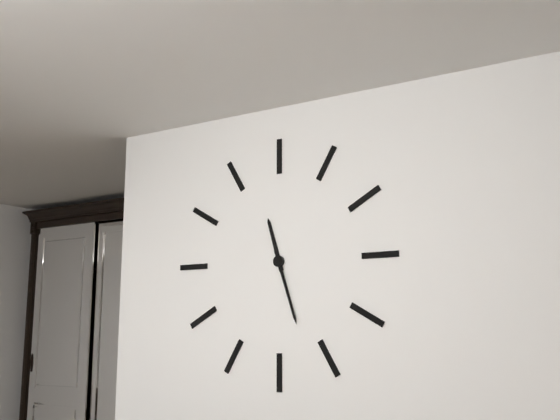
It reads **11:27**
